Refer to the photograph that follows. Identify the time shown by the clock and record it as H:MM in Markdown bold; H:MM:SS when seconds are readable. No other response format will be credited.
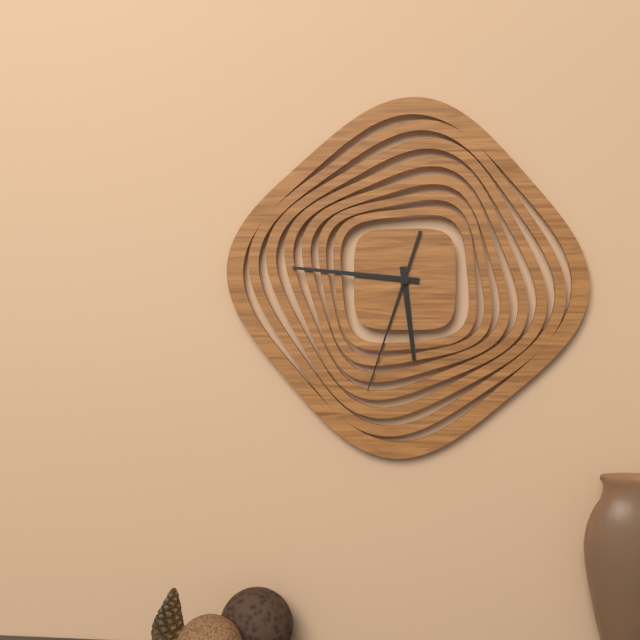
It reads **5:46:33**
